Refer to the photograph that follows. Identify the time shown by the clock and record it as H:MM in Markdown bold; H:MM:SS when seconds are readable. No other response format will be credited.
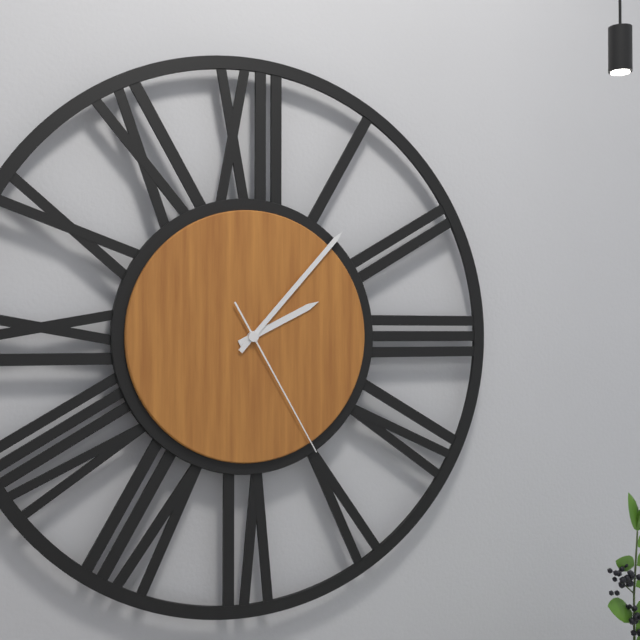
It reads **2:07:25**
